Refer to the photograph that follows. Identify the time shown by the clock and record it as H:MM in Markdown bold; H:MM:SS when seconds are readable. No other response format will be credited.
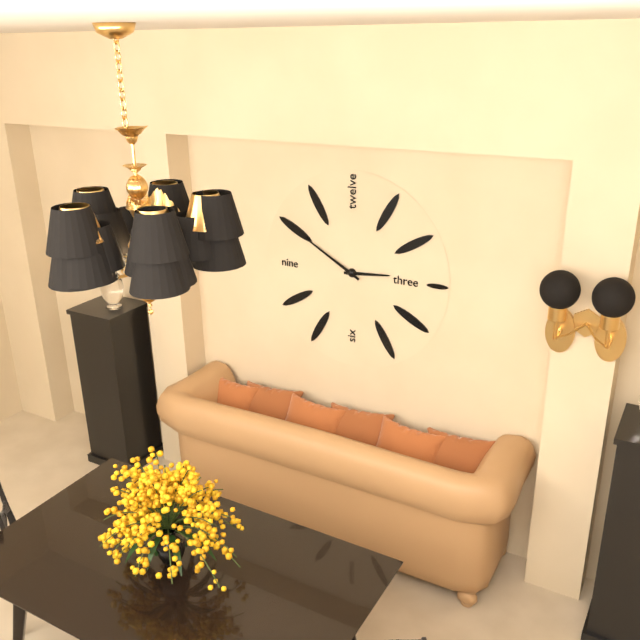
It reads **2:50**
